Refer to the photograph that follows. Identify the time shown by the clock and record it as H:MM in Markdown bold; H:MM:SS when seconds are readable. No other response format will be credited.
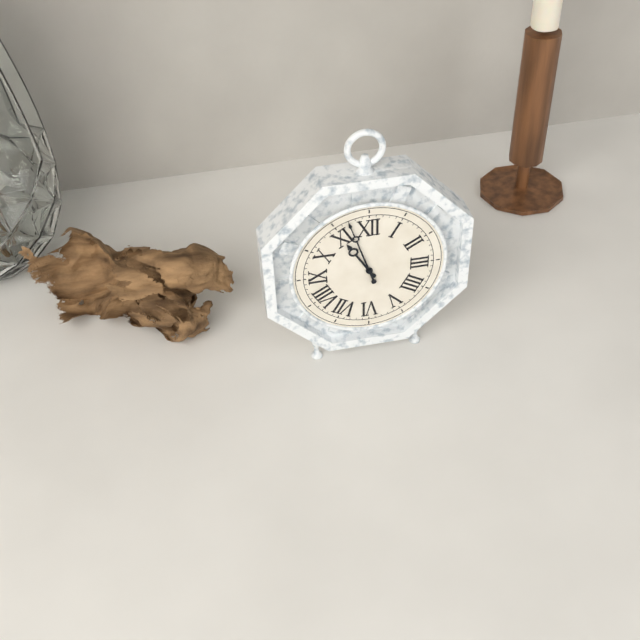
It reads **10:57**
